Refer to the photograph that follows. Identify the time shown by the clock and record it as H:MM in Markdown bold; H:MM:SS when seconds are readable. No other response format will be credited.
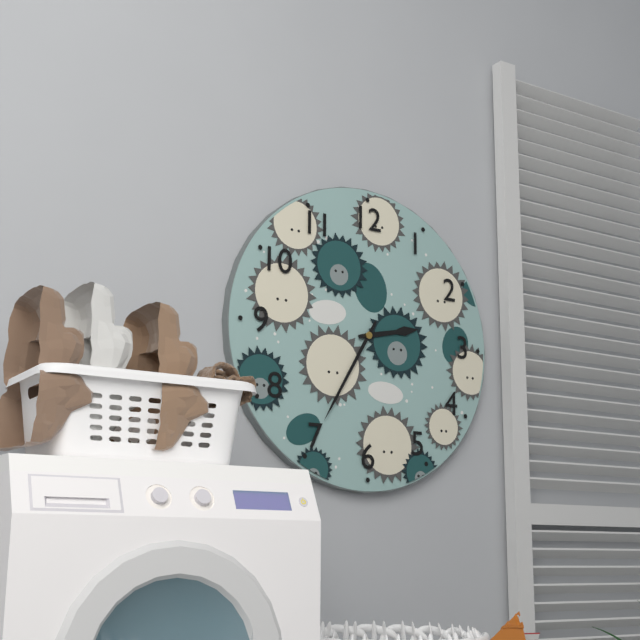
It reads **2:35**
